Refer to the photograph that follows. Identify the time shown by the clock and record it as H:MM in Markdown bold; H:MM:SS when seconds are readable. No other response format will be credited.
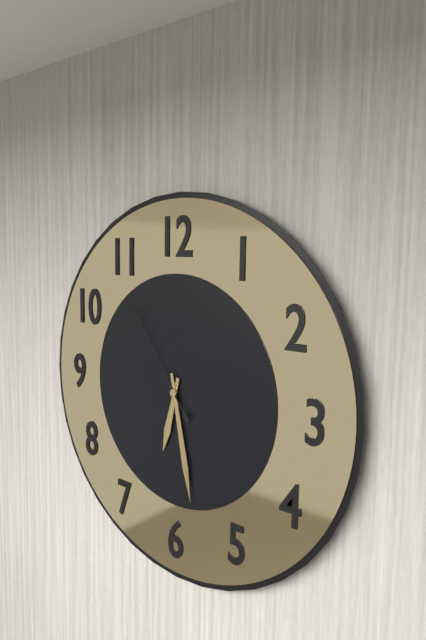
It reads **6:28:54**
